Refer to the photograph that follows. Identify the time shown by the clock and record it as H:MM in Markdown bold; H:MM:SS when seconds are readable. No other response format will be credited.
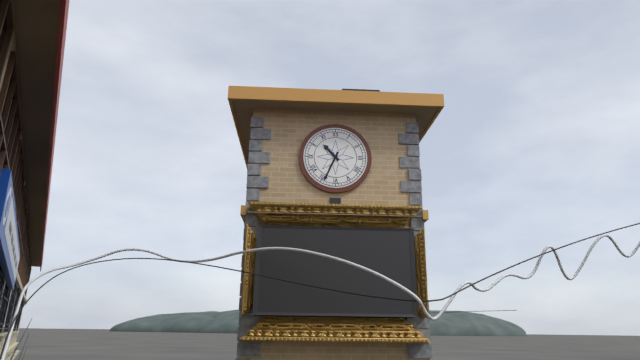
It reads **10:34**
